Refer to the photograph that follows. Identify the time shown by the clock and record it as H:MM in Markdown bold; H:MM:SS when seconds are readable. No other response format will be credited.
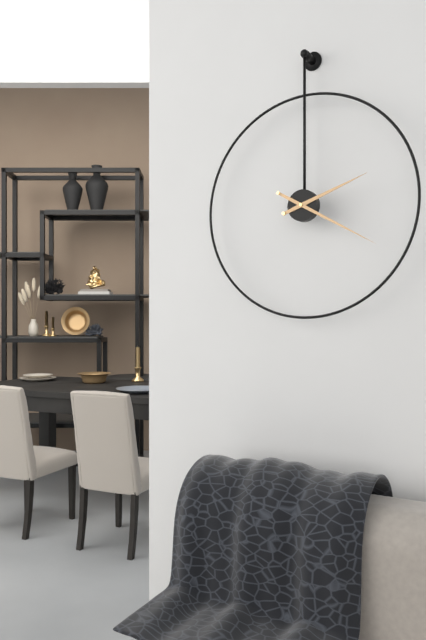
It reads **2:20**
